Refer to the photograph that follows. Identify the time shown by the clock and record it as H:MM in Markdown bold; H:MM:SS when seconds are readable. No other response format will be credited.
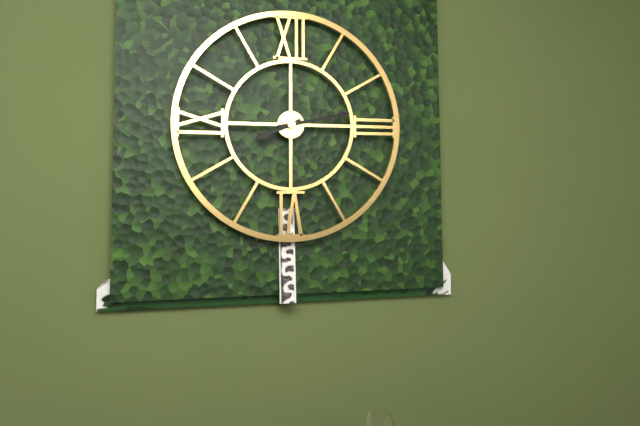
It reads **8:13**
